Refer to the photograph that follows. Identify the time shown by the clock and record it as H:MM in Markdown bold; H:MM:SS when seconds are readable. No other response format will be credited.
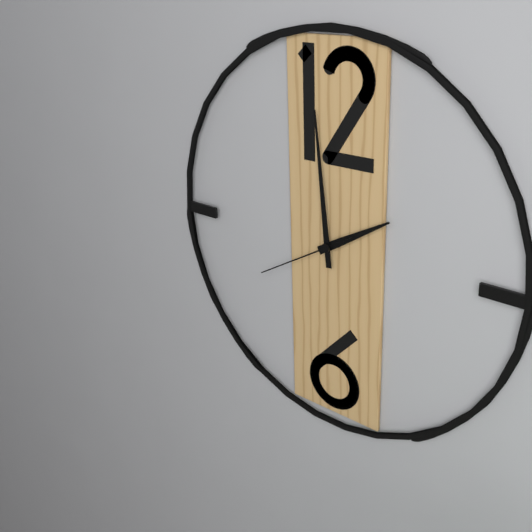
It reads **1:59:40**
